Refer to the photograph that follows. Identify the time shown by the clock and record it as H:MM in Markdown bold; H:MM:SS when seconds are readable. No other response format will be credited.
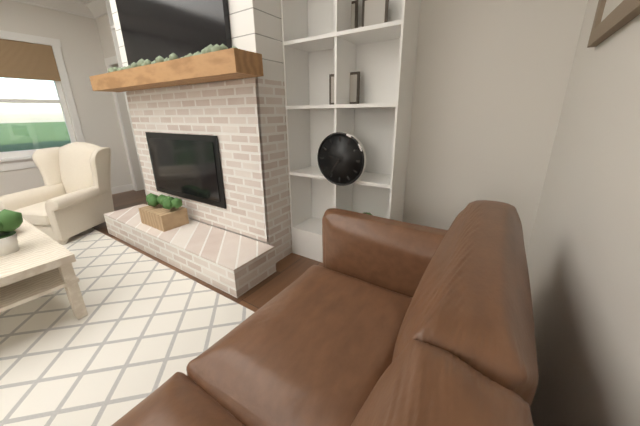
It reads **9:36**
